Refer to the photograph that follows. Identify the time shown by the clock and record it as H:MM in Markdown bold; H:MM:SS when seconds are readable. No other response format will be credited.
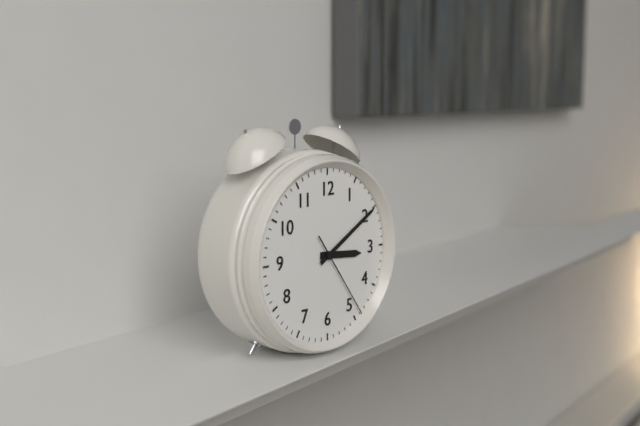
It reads **3:10:24**
